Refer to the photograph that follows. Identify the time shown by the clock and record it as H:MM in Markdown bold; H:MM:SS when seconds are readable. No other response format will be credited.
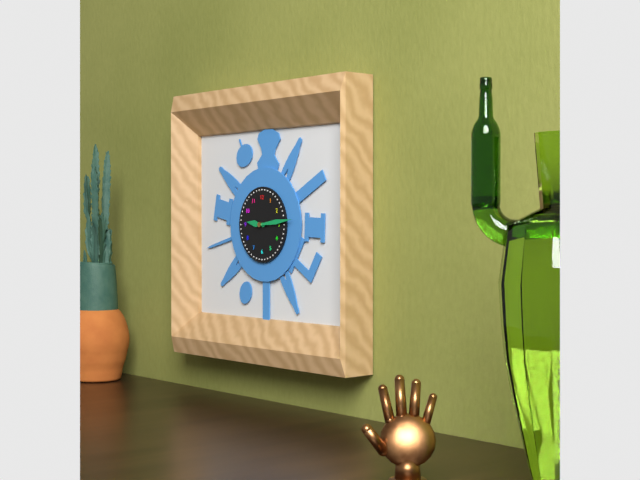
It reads **9:14**
